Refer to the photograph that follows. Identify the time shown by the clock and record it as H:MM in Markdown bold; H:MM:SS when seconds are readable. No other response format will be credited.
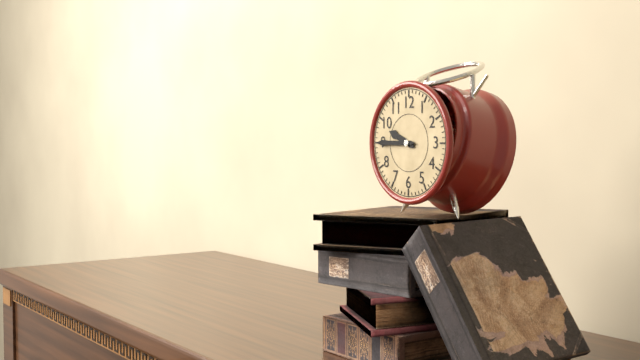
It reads **9:45**
